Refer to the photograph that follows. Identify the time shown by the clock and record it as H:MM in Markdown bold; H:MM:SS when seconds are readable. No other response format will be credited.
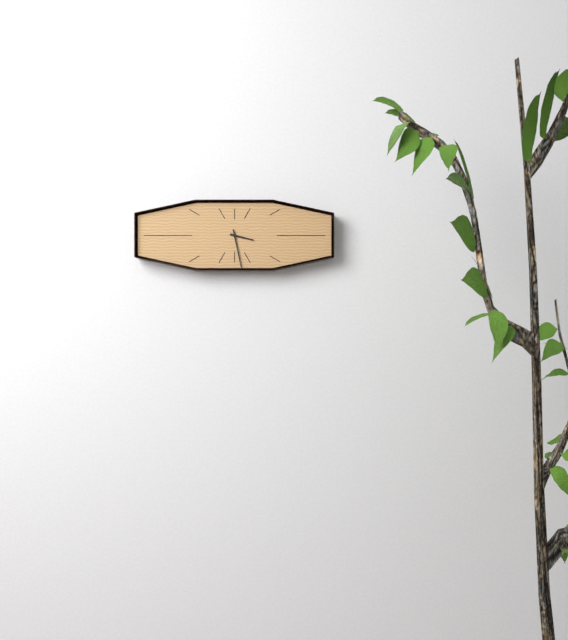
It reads **3:28**
